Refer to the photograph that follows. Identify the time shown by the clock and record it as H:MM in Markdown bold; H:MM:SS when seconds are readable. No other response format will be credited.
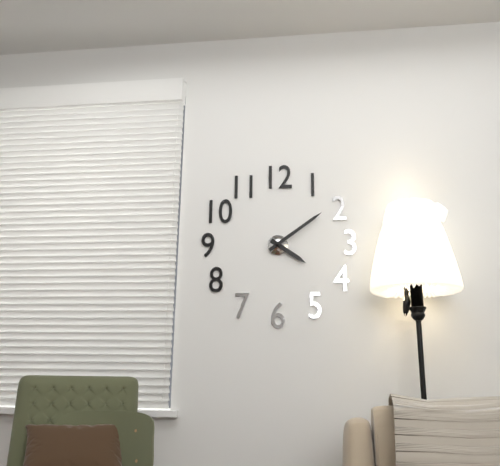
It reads **4:09**
